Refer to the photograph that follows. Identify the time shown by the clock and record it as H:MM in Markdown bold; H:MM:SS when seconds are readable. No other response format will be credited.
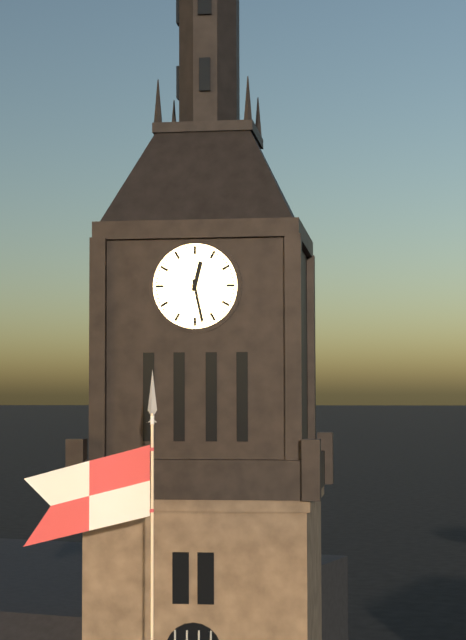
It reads **12:28**
